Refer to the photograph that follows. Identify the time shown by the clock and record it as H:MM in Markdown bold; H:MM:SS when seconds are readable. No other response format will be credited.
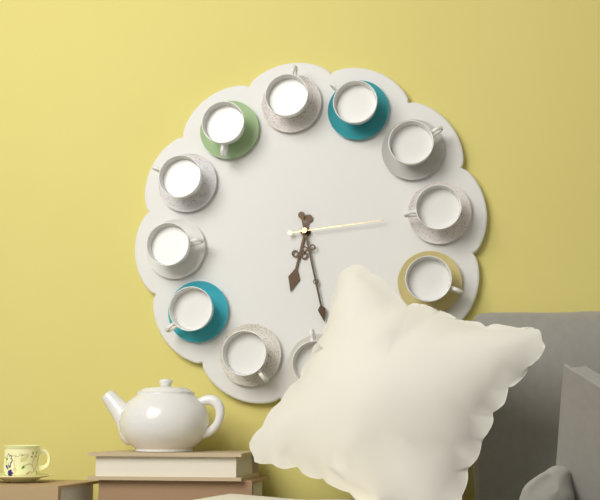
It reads **6:28:14**
